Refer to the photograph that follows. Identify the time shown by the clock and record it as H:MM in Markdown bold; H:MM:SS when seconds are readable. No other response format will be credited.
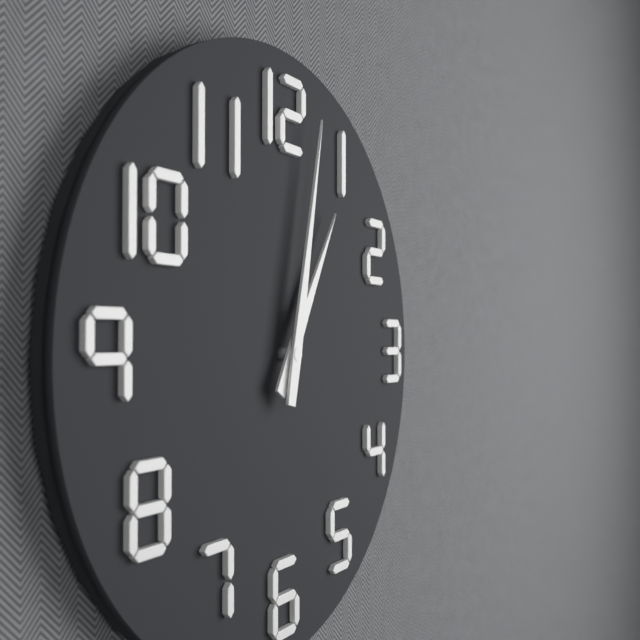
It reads **1:02**
